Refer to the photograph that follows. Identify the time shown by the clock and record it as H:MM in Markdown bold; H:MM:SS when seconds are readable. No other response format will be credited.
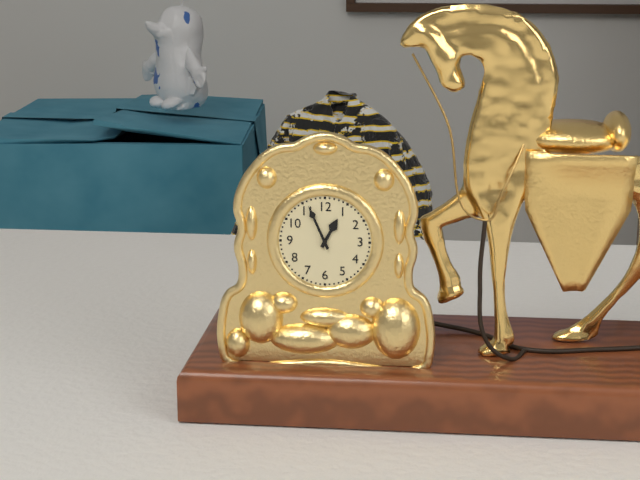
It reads **12:56**
